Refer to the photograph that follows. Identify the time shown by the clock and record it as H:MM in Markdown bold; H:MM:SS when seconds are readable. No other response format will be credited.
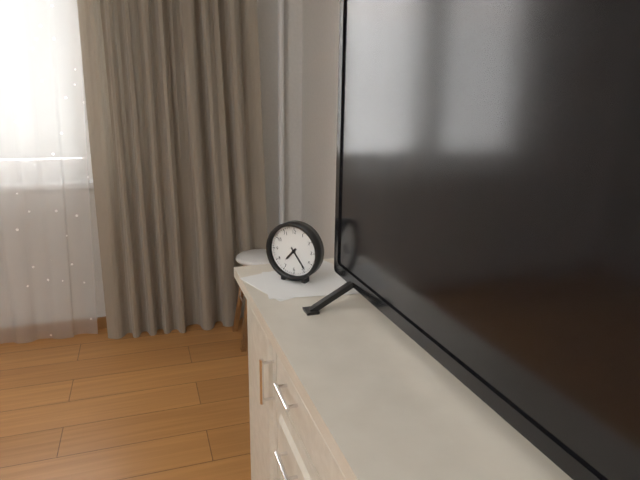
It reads **7:24**
